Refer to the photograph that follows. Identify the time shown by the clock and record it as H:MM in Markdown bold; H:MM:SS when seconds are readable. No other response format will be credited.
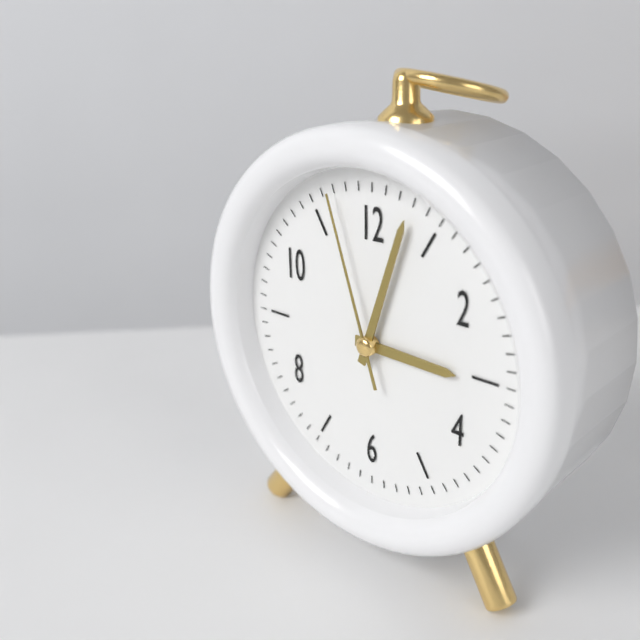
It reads **3:03:57**
